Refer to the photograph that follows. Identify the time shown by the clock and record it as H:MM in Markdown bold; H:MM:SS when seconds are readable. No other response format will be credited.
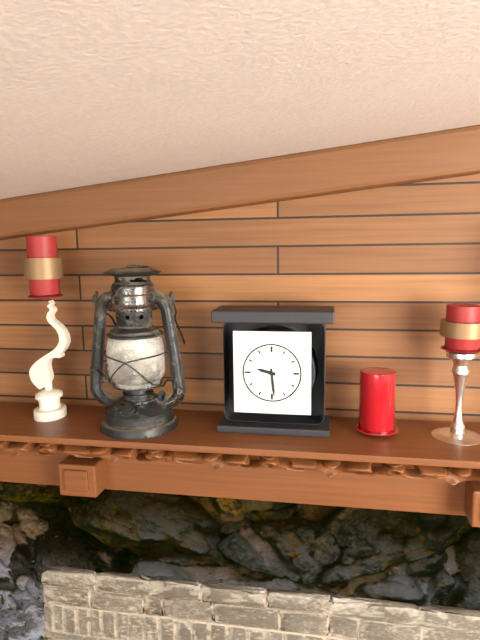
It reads **9:29**
